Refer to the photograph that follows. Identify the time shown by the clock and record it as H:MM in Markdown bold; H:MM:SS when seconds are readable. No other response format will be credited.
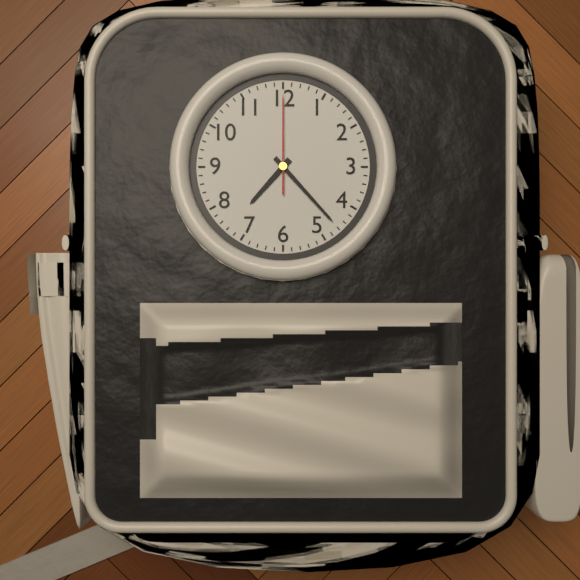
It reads **7:23:00**
